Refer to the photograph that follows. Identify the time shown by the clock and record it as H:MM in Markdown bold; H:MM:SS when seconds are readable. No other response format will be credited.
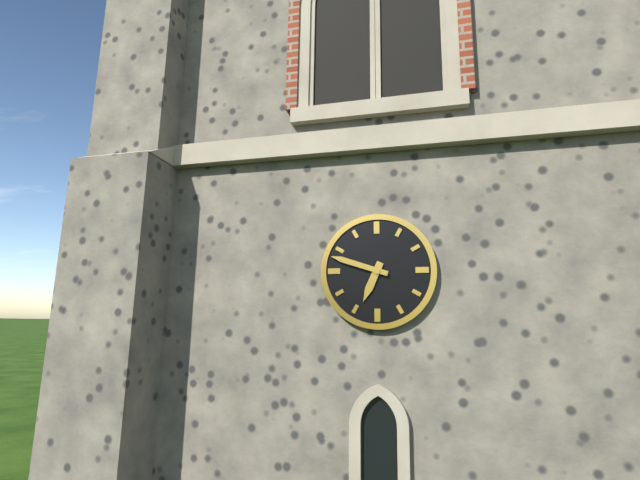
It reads **6:48**
